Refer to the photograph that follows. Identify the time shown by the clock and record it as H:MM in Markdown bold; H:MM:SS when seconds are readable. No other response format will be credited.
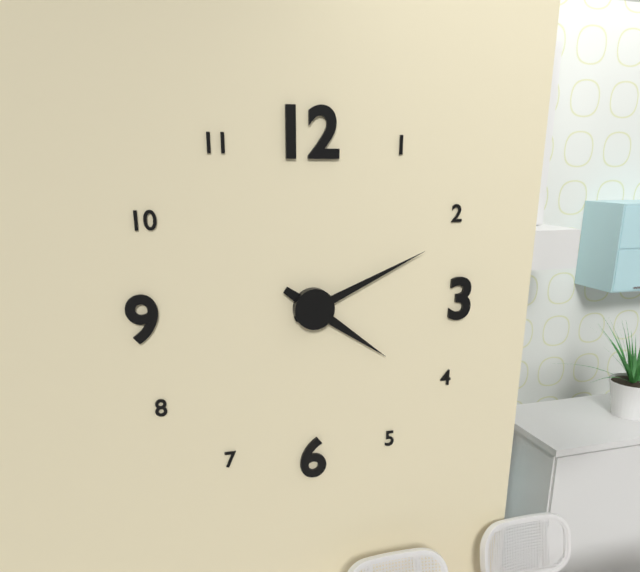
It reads **4:11**
